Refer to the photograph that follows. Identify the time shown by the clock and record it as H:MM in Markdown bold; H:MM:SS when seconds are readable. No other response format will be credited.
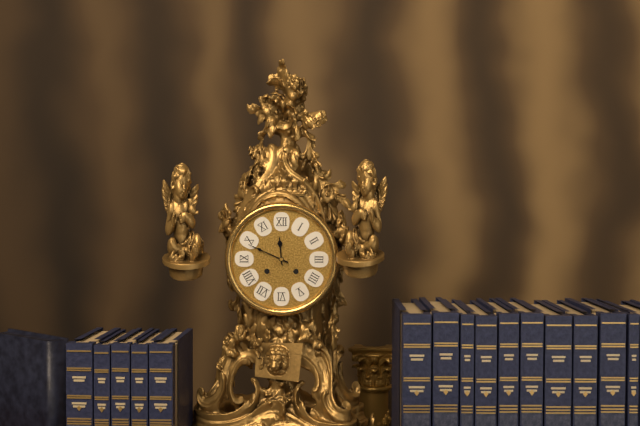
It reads **11:49**
